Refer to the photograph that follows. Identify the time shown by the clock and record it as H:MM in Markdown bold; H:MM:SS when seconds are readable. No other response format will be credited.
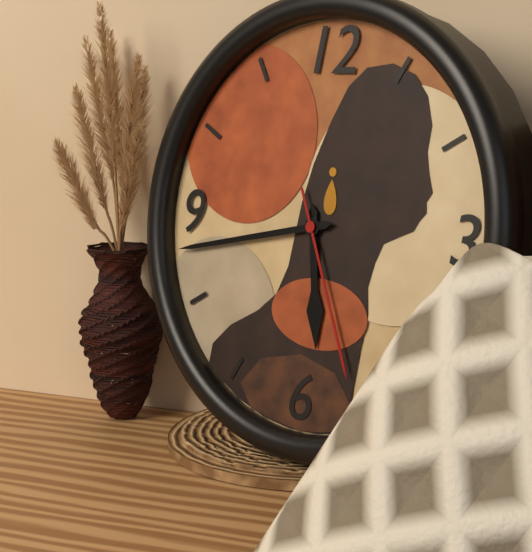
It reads **5:43:26**
